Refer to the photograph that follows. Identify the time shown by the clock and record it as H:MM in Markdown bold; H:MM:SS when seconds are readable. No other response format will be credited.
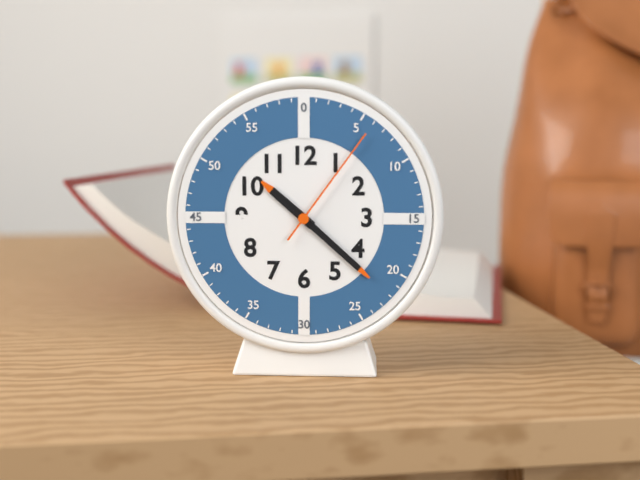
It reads **10:22:06**
